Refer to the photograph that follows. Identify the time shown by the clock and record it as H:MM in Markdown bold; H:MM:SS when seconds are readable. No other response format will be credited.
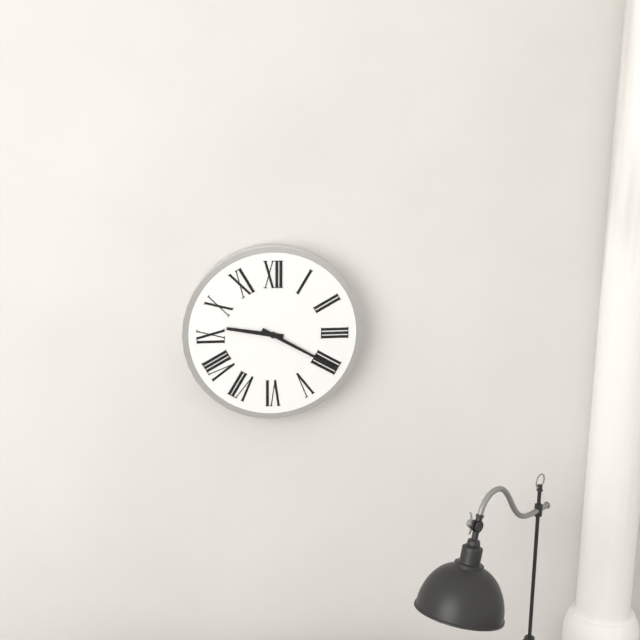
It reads **9:20**
